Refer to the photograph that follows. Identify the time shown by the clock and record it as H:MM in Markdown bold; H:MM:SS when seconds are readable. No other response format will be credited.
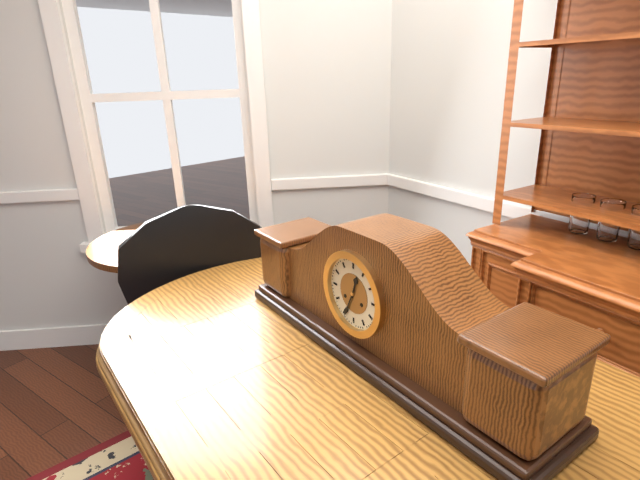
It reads **12:34**
